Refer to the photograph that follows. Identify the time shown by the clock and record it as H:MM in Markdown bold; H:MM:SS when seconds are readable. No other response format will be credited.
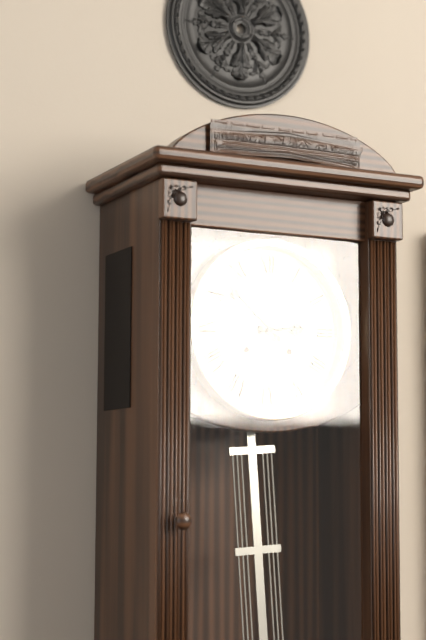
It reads **2:52**
